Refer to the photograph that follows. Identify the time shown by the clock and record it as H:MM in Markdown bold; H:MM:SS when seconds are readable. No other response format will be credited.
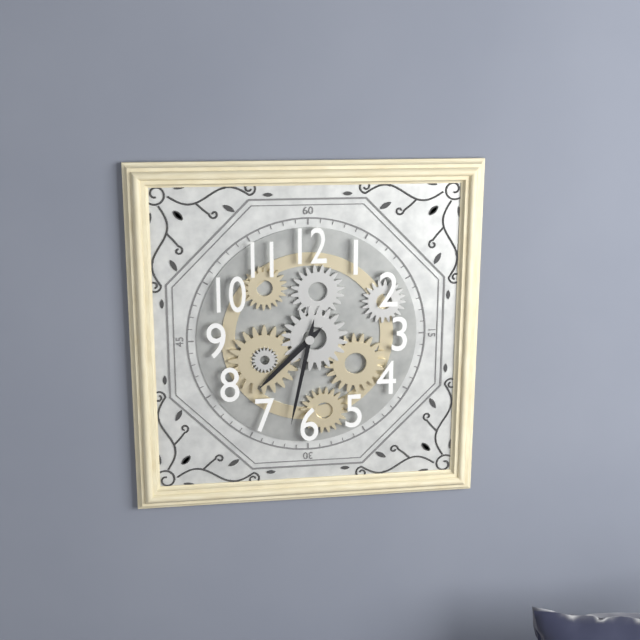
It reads **7:32**
